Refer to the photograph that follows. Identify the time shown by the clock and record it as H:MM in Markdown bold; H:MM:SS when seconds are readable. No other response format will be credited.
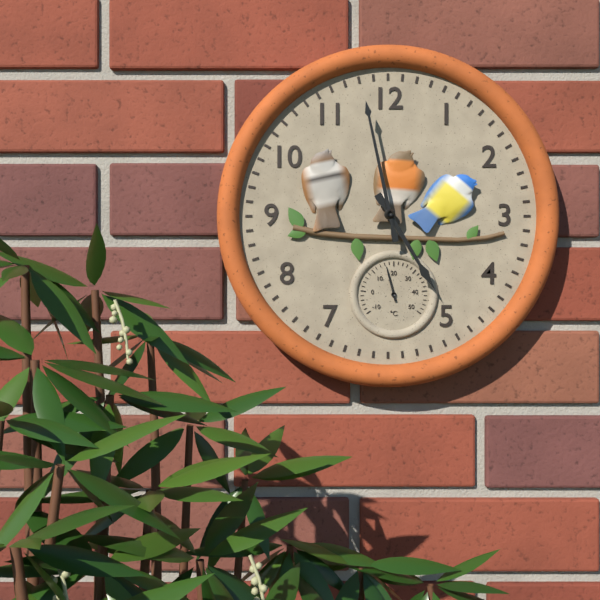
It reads **4:58**
